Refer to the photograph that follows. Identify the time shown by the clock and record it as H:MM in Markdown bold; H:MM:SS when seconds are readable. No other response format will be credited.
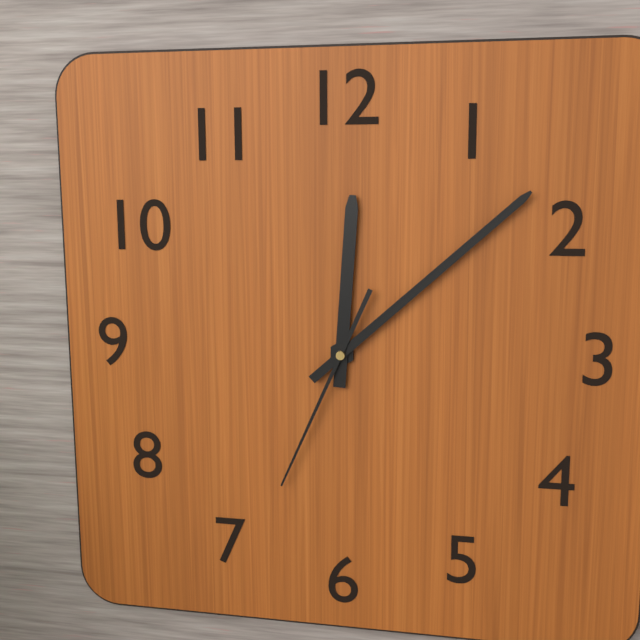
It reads **12:08:34**
